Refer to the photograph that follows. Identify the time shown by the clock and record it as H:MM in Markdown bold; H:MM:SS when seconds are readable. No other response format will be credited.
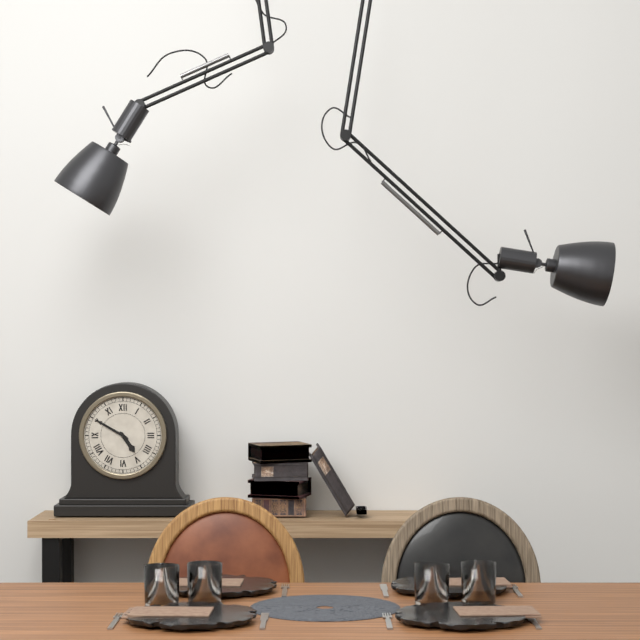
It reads **4:50**
